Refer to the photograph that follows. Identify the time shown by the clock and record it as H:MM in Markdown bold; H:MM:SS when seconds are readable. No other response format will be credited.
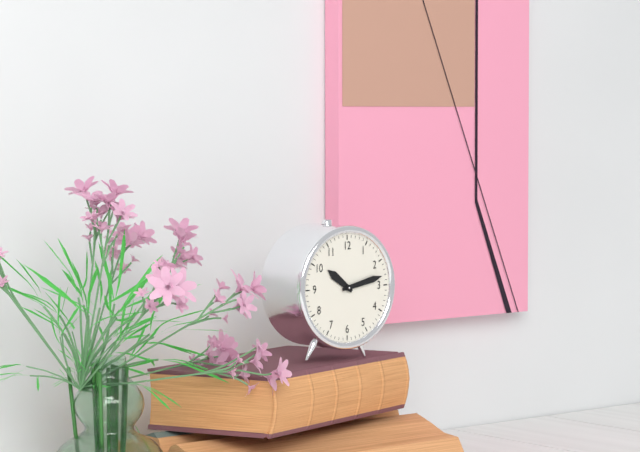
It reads **10:13**
